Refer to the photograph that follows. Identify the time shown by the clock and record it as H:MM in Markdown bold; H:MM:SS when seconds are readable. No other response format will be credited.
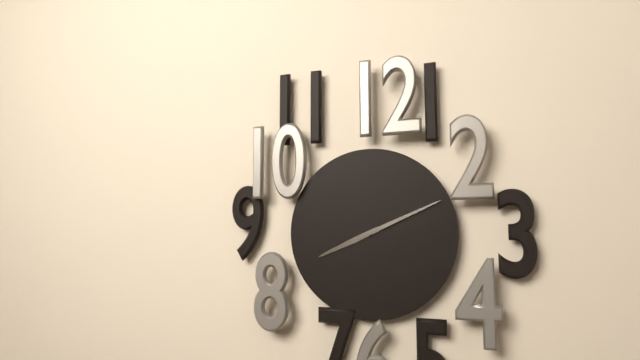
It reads **8:11**
